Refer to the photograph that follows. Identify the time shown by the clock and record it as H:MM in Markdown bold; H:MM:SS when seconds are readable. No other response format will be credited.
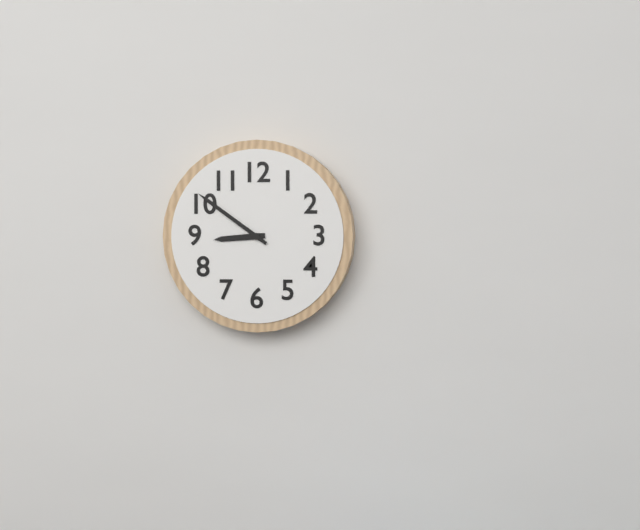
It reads **8:51**
